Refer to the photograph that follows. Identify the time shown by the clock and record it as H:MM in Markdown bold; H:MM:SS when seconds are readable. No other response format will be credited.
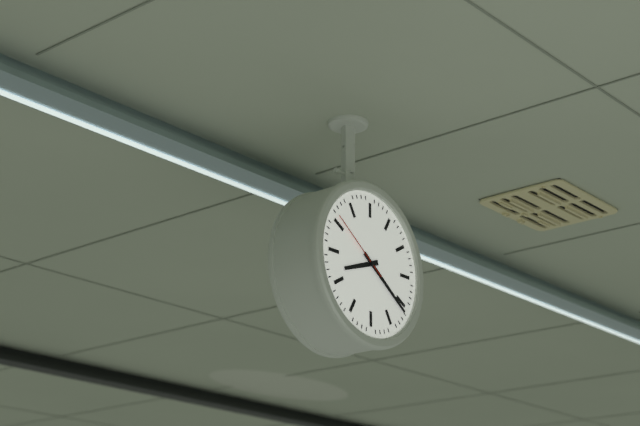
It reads **8:21:51**
